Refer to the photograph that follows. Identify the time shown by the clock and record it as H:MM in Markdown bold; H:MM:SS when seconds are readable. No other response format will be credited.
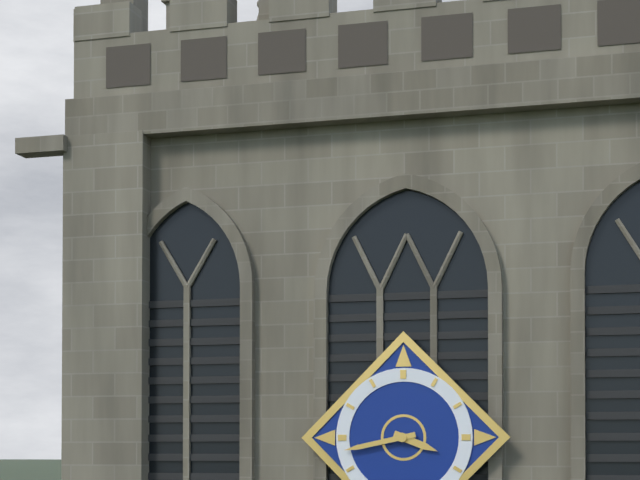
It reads **3:43**
